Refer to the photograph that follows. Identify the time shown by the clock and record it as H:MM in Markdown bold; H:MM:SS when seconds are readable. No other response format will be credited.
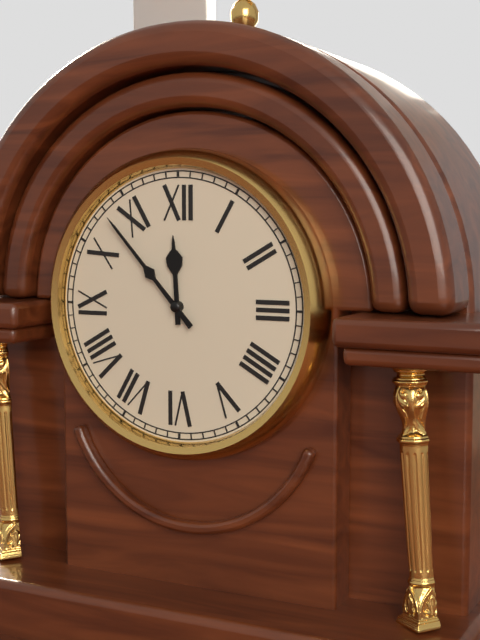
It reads **11:53**
